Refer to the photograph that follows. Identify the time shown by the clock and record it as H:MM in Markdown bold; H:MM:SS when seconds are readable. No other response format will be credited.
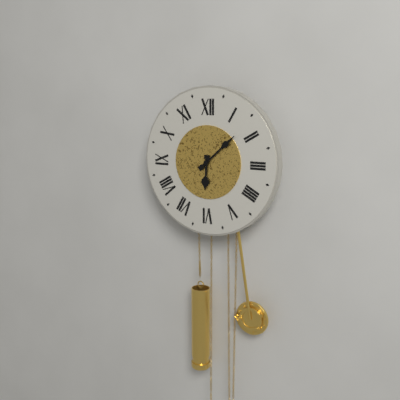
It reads **6:08**
